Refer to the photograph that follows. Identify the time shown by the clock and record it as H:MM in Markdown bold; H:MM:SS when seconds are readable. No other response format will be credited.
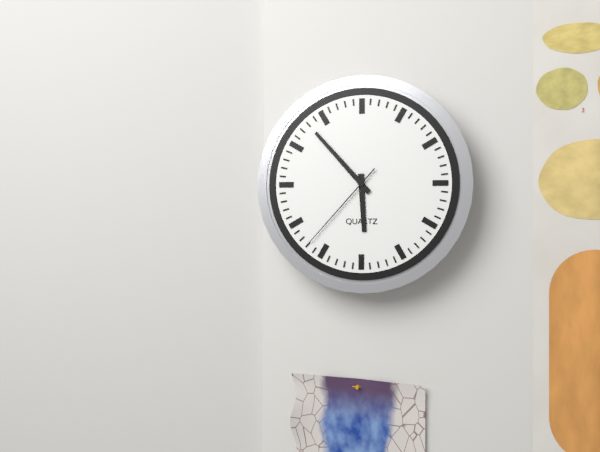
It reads **5:53:37**
